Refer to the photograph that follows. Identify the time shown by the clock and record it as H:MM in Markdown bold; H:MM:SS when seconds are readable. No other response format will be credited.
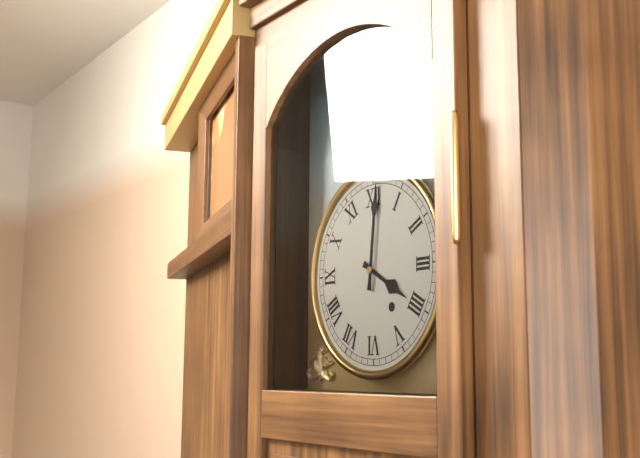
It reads **4:01**
